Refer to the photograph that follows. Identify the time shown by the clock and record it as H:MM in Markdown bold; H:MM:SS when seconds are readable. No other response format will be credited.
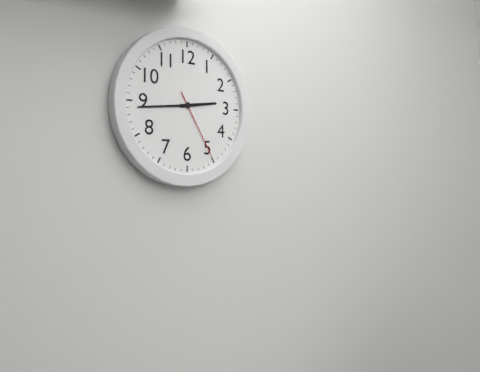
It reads **2:44:25**
